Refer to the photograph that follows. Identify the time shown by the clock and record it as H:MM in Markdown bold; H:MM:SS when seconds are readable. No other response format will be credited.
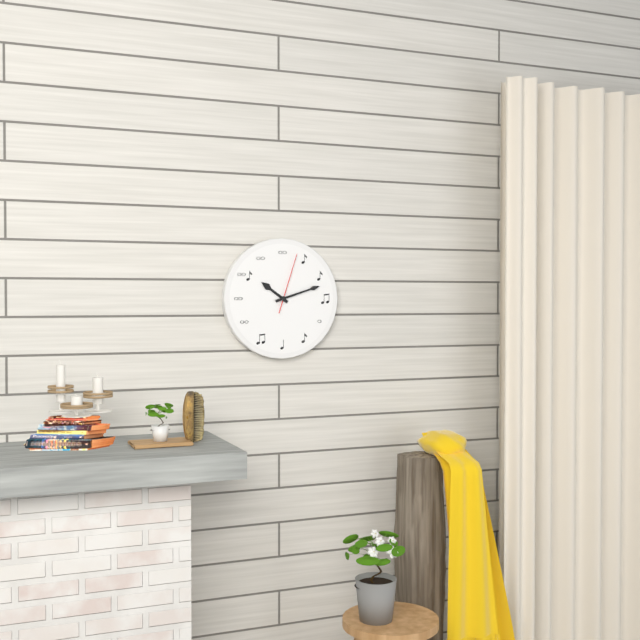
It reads **10:12:03**
